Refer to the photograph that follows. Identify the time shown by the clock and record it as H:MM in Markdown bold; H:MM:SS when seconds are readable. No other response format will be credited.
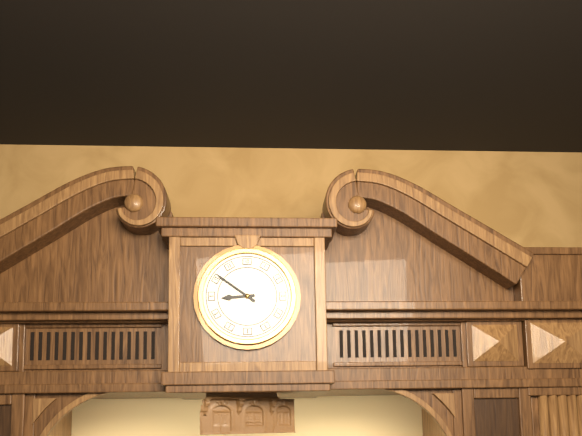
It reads **8:51**
